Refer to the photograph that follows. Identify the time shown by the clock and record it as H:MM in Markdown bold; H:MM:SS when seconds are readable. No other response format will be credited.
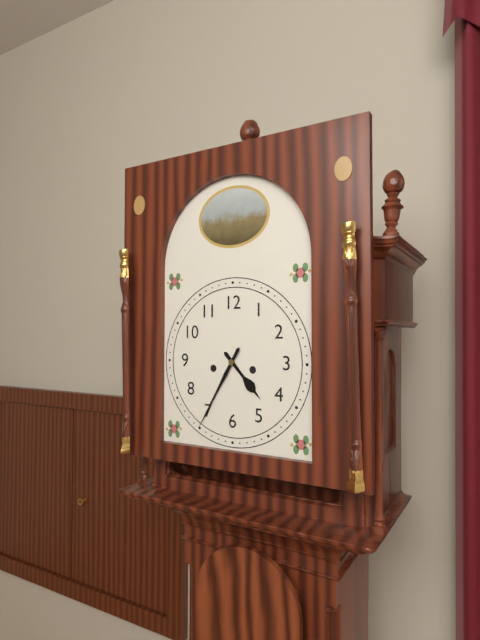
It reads **4:35**
